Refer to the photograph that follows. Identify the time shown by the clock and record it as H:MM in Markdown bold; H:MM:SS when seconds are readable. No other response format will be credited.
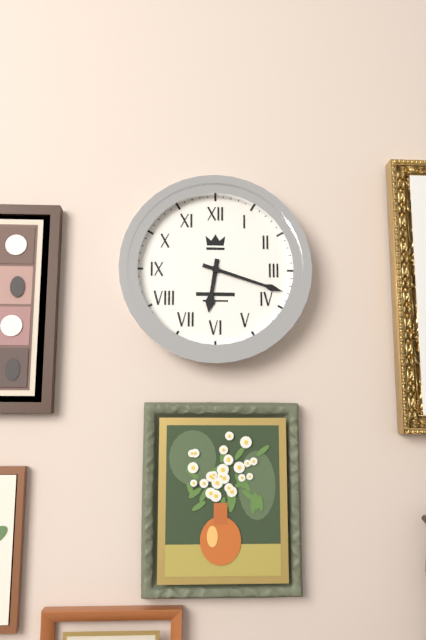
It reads **6:18**
